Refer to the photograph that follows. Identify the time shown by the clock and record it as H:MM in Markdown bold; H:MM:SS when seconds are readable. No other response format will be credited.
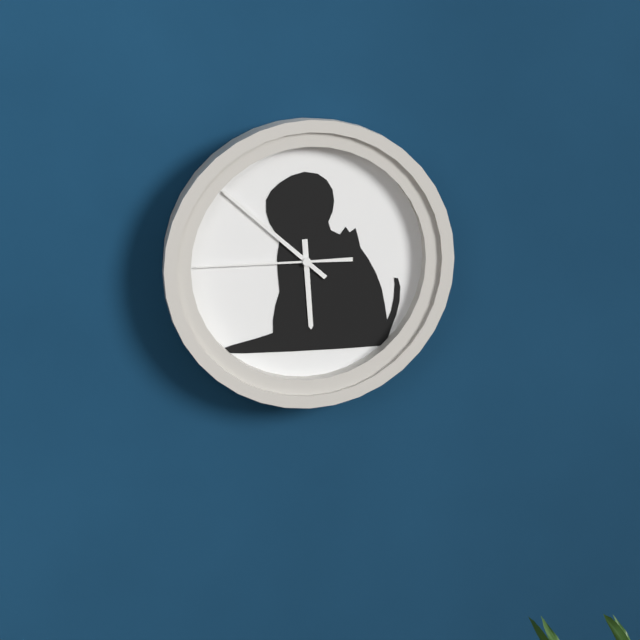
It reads **5:52:45**
